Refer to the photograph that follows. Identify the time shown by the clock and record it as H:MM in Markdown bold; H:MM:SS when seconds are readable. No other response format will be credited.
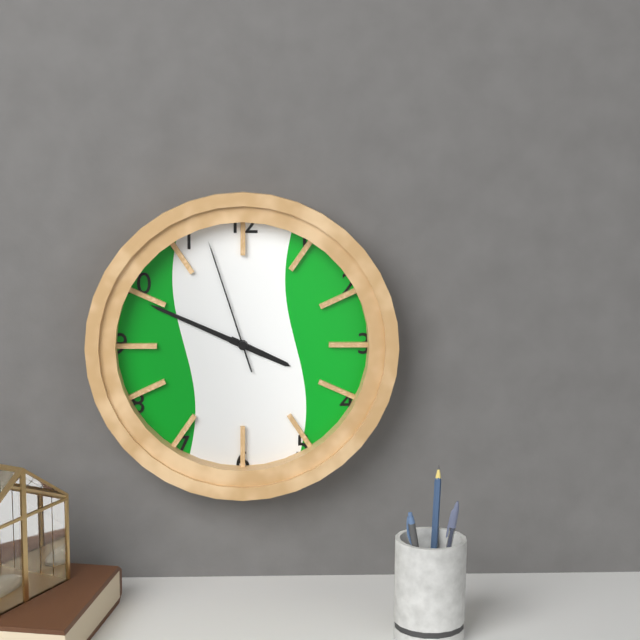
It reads **3:49:57**
